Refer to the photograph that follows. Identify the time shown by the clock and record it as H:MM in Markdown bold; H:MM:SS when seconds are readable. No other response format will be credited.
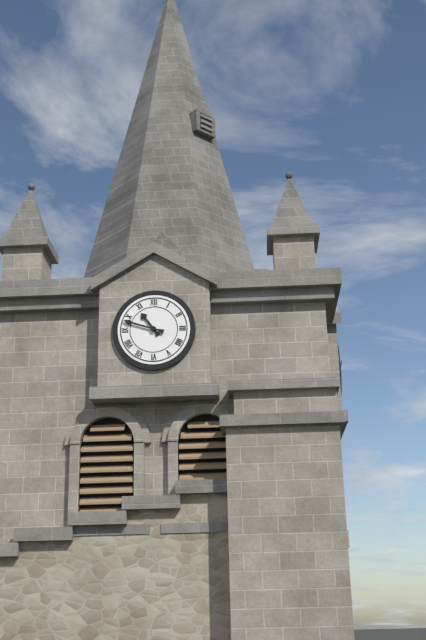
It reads **10:48**
